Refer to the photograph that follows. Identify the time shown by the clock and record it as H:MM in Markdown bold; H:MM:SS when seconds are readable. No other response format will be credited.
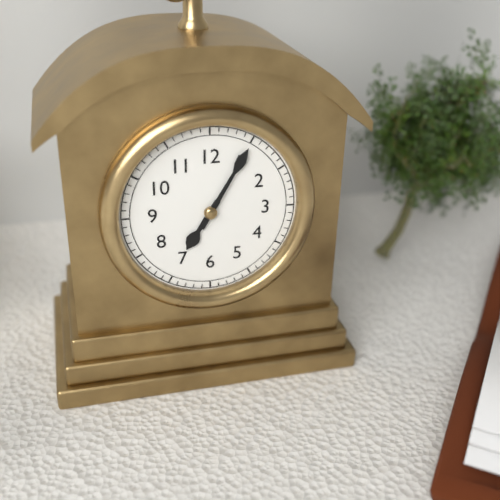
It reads **7:05**
